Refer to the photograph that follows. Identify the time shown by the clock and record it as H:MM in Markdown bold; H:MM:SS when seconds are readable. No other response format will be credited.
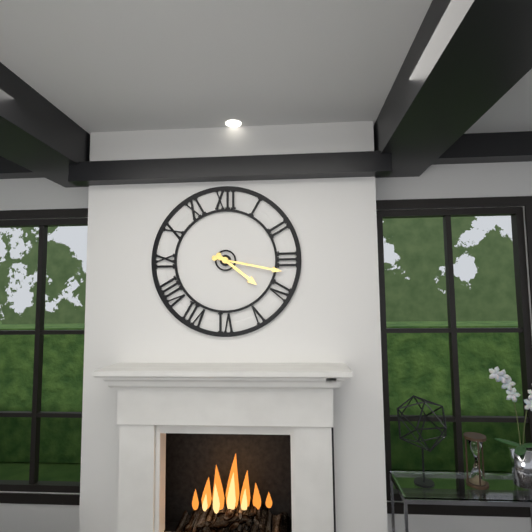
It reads **4:17**
